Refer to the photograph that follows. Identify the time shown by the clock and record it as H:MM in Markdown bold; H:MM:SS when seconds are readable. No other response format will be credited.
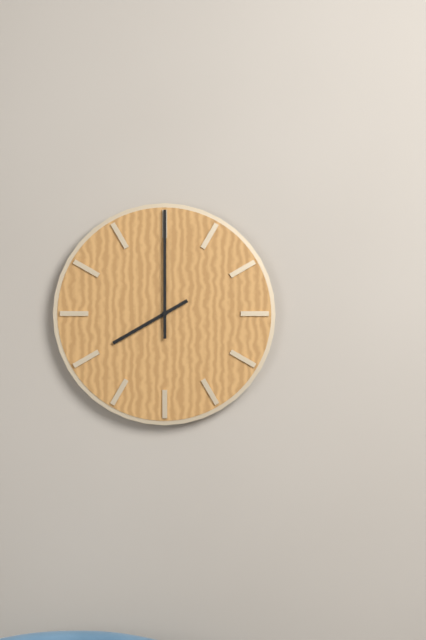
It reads **8:00**
